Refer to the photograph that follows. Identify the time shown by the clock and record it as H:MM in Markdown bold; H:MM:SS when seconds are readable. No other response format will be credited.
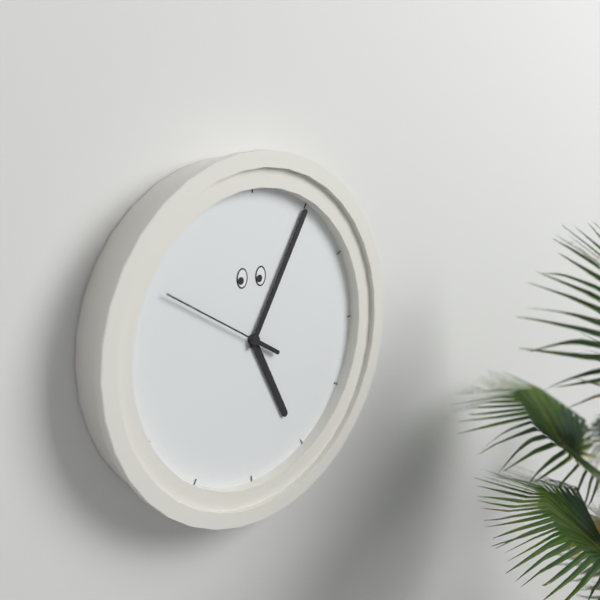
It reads **5:05:50**
